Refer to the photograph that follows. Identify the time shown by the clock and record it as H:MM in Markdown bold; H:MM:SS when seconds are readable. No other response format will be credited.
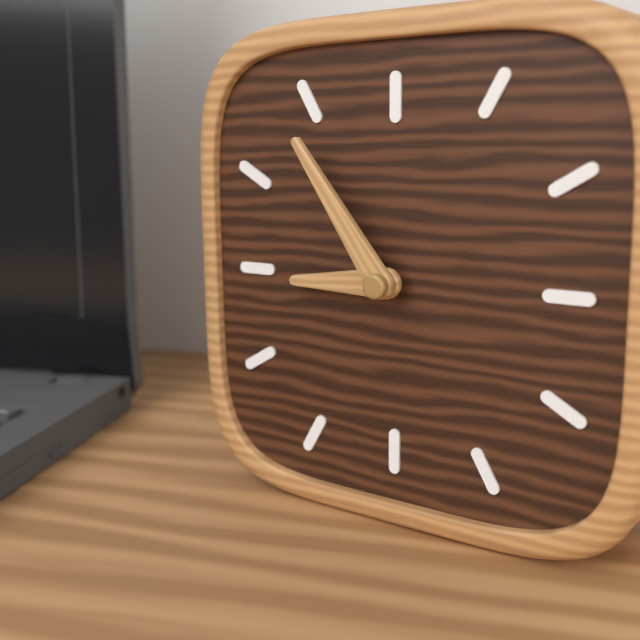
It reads **8:54**
